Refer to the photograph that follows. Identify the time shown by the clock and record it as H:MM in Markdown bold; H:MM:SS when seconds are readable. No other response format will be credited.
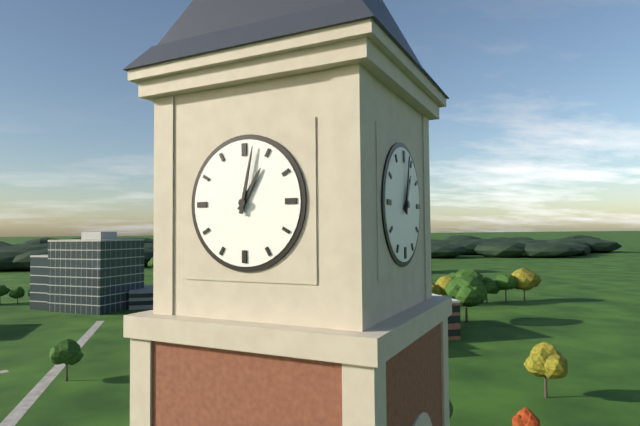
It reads **1:02**
